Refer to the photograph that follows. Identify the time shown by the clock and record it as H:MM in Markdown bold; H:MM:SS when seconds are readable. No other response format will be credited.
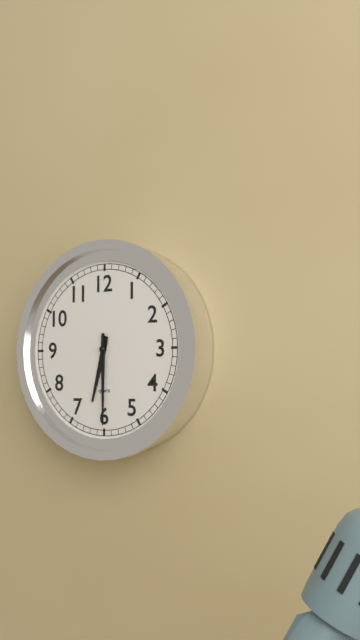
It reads **6:30**
